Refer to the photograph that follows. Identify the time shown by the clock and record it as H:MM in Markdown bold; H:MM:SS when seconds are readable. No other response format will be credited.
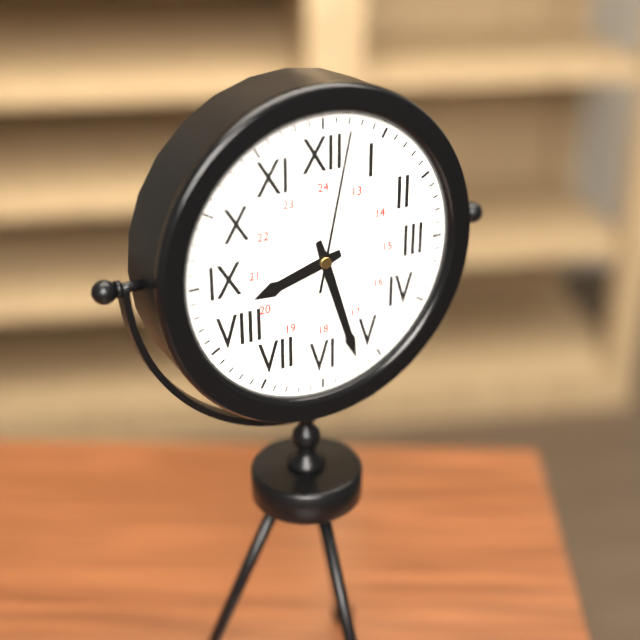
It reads **8:27:02**
